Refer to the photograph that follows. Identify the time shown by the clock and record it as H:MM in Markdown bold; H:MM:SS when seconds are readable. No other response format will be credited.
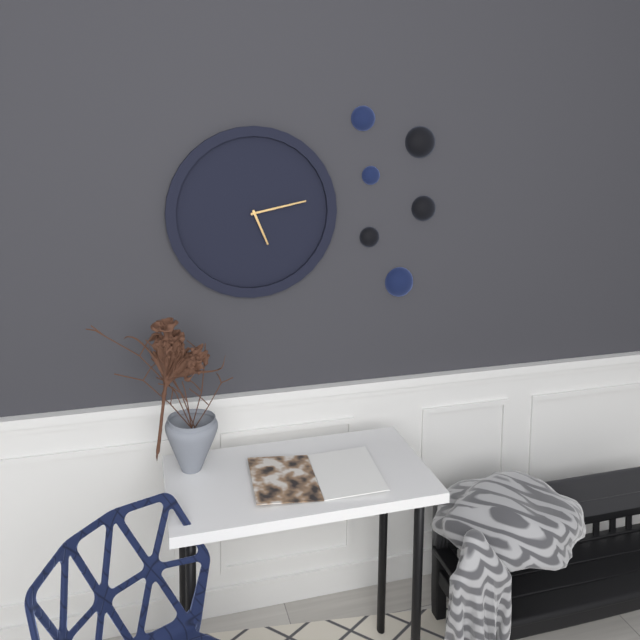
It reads **5:13**
